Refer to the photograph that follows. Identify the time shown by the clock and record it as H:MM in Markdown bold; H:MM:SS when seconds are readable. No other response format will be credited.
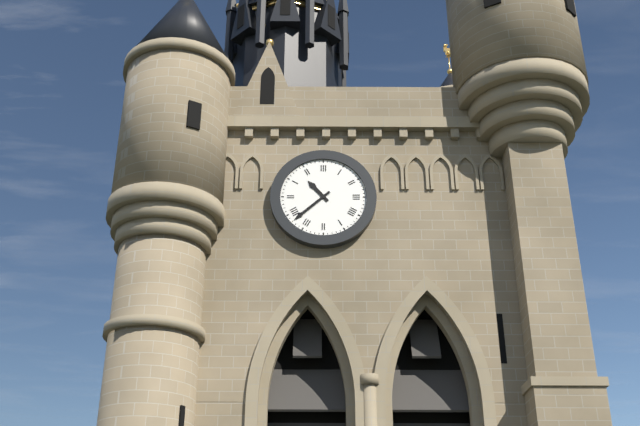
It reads **10:38**
